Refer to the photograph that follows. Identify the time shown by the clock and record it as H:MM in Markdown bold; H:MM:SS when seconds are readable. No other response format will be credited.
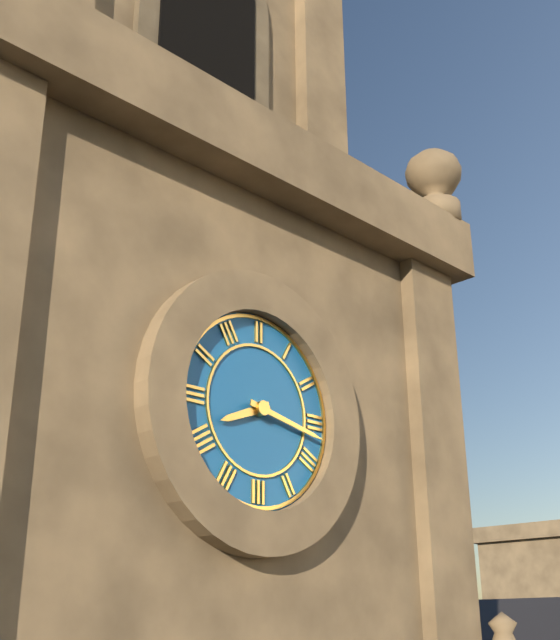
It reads **8:17**
